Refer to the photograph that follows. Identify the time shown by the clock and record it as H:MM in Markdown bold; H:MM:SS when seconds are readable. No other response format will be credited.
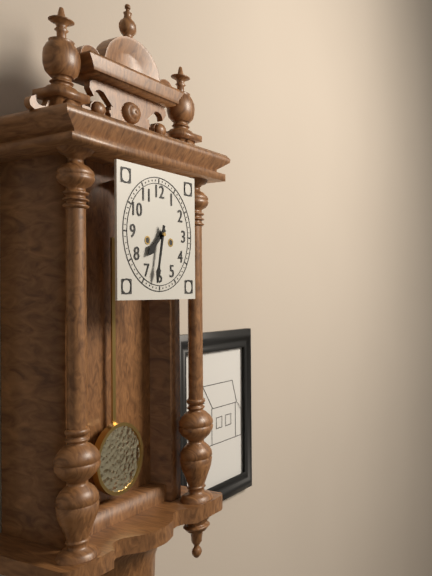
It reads **7:32**
